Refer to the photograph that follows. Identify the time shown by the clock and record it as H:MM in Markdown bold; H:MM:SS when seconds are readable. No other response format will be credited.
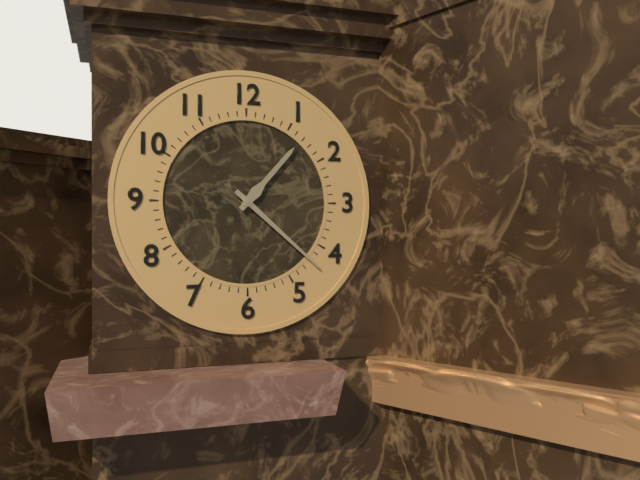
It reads **1:22**
